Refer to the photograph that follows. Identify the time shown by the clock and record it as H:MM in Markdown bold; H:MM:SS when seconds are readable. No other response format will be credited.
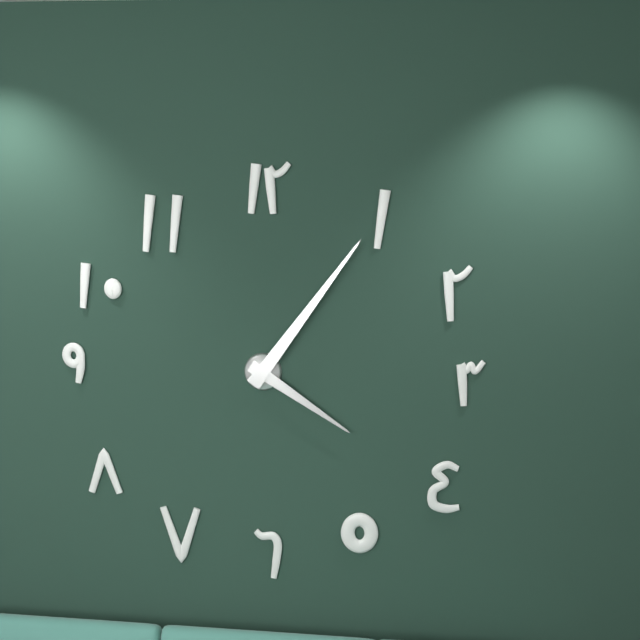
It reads **4:06**
